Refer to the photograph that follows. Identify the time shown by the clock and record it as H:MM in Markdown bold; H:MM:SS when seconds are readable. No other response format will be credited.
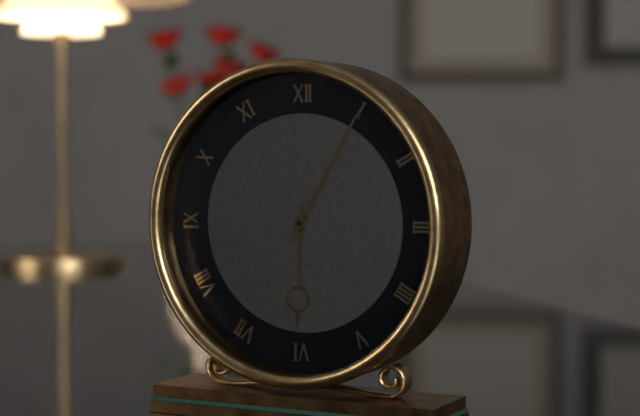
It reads **6:05**
